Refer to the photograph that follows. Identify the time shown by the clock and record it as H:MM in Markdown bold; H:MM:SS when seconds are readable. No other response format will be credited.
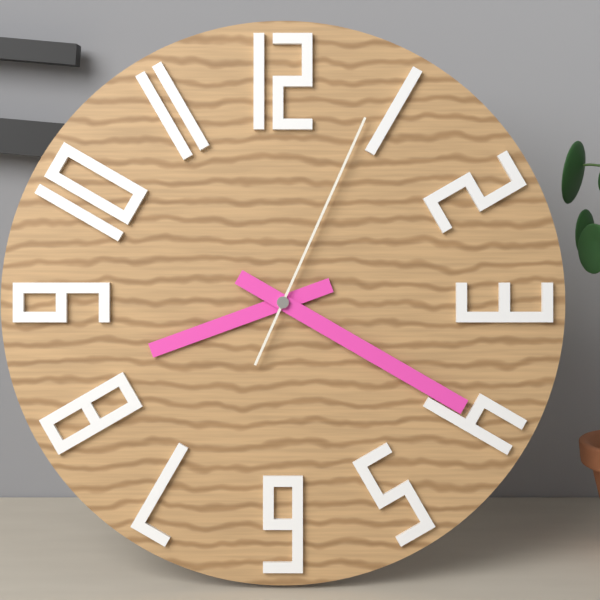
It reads **8:20:04**
